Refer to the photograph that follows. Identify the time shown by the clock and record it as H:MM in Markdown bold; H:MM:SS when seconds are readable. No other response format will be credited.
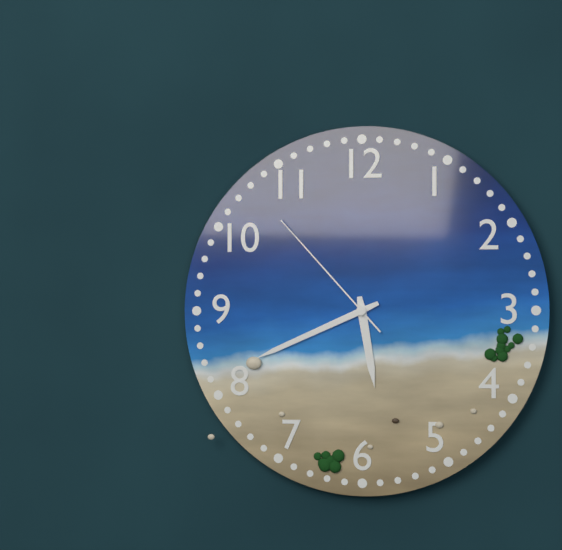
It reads **5:41:53**
